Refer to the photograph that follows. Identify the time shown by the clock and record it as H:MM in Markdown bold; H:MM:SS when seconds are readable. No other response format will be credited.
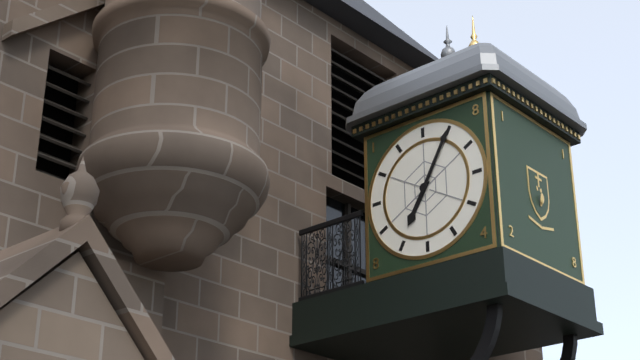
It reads **7:05**
